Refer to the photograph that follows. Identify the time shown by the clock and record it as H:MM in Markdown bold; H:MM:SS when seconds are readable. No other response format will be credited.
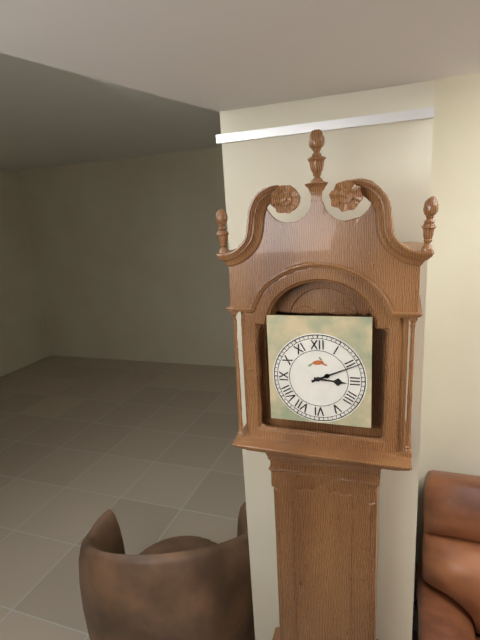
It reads **3:11**
